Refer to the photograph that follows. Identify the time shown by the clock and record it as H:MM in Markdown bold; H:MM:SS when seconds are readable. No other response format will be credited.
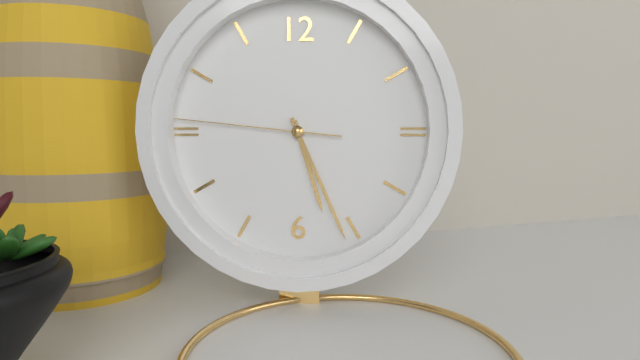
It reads **5:26:46**
